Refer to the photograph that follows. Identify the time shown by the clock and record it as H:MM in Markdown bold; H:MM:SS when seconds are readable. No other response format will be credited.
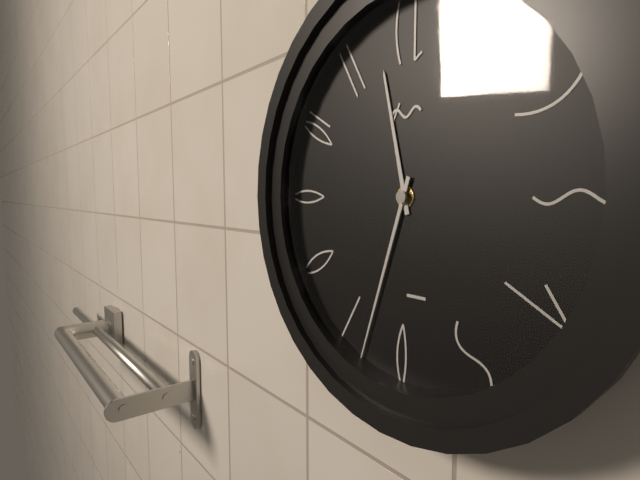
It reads **11:33**
